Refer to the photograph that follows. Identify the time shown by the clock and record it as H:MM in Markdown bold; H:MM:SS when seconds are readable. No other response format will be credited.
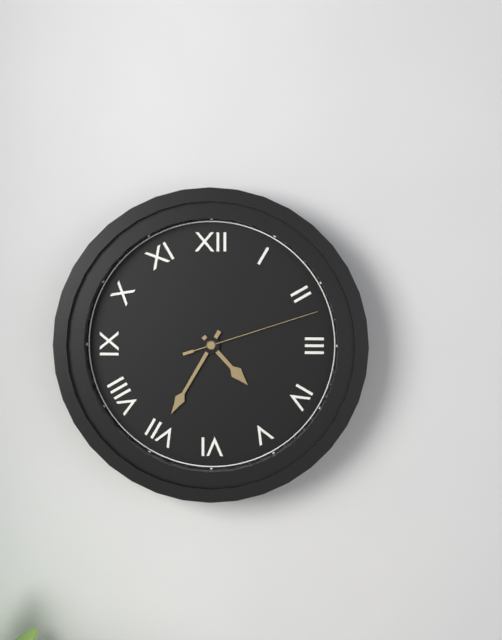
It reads **4:35:12**
